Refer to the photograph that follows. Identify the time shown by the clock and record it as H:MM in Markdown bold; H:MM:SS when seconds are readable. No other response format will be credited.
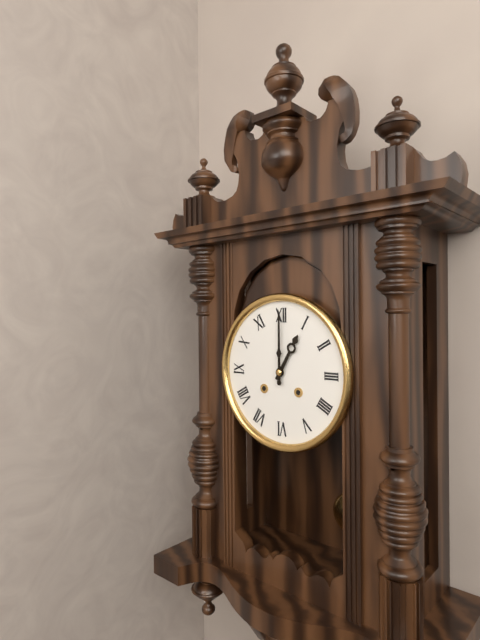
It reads **1:00**
